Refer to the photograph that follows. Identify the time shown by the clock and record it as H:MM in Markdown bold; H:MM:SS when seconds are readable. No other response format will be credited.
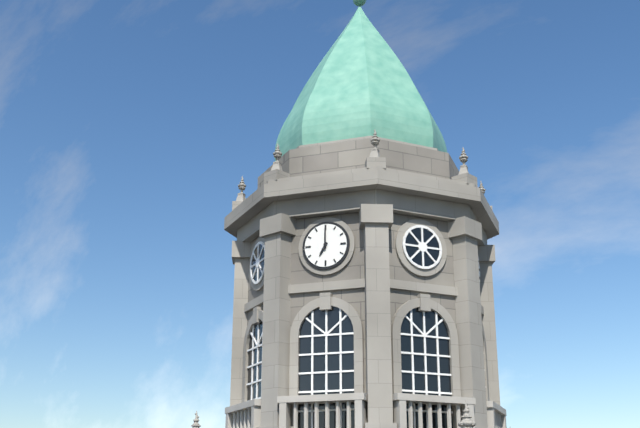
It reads **7:00**
